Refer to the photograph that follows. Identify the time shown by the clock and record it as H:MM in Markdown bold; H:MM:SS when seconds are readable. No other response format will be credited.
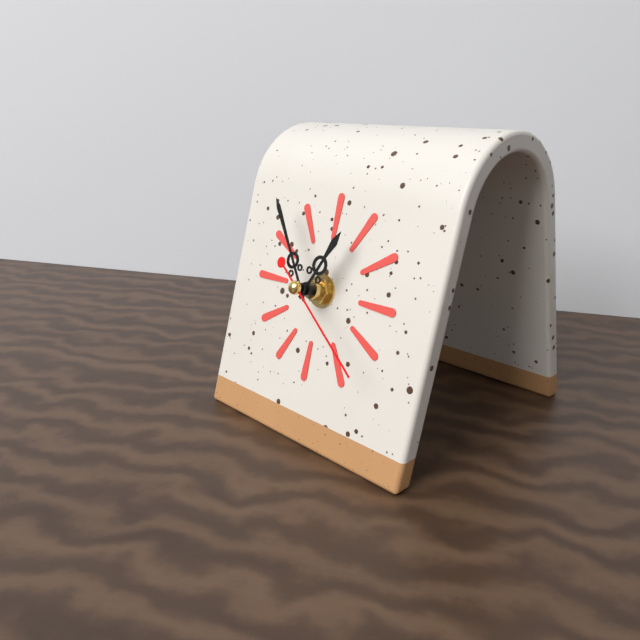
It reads **12:54:21**
